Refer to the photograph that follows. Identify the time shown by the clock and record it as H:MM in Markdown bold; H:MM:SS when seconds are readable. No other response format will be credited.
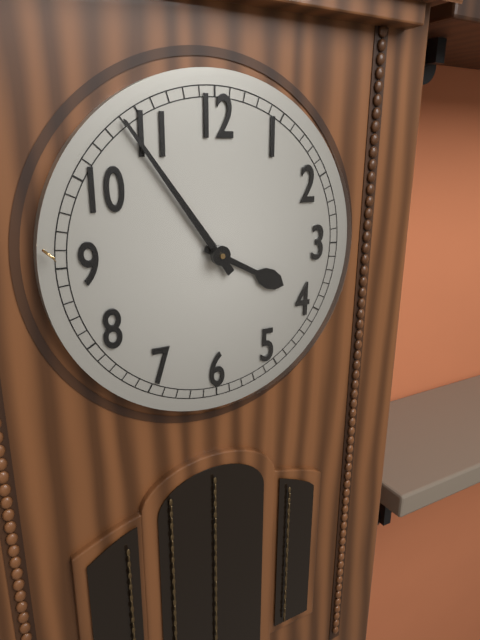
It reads **3:54**
